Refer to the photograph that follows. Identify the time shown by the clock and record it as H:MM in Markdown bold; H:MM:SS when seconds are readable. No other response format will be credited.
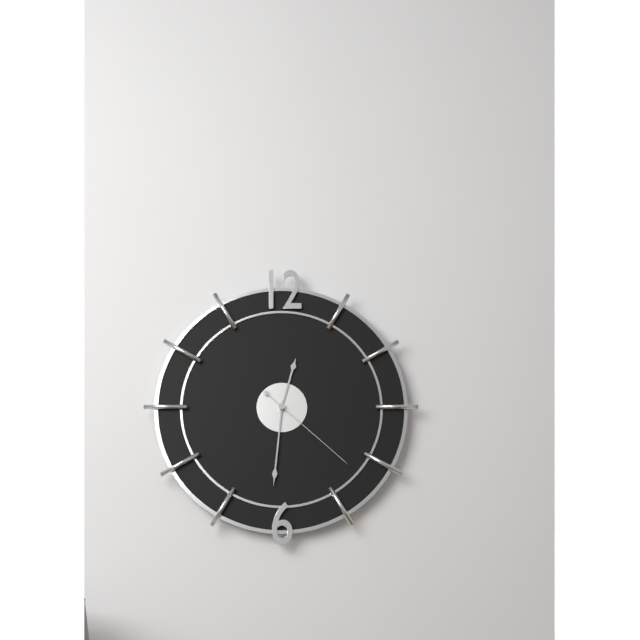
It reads **12:31:22**
